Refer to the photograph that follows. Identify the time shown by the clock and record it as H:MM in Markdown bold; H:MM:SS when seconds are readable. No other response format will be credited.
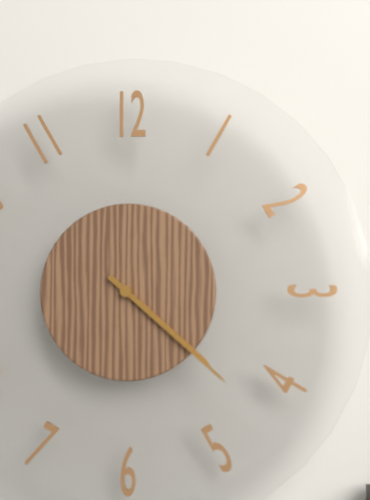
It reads **4:22**
